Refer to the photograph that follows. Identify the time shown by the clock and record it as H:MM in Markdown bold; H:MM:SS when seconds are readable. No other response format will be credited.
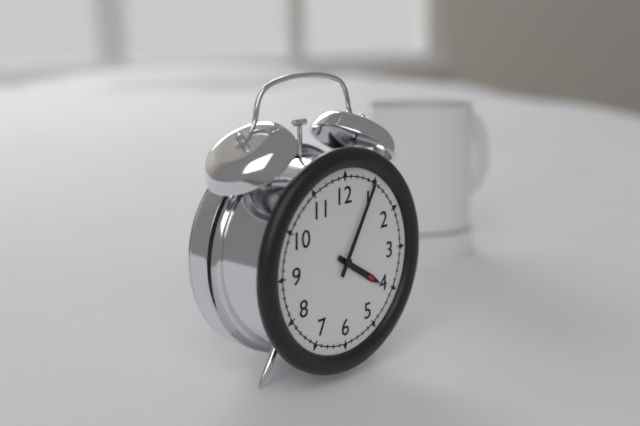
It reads **4:05**
